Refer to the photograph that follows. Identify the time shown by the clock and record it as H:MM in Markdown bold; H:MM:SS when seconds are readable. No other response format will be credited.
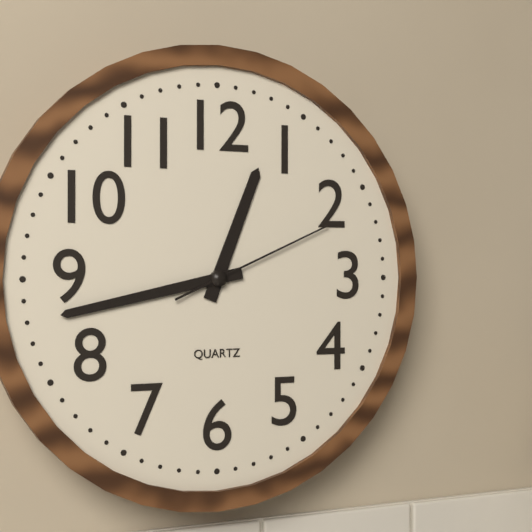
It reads **12:43:11**
